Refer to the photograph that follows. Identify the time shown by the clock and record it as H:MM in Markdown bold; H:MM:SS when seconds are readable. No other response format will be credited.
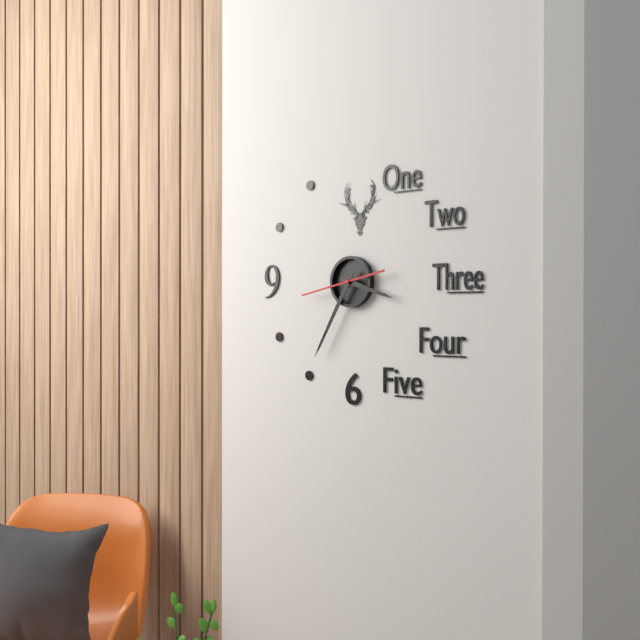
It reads **3:35:43**
